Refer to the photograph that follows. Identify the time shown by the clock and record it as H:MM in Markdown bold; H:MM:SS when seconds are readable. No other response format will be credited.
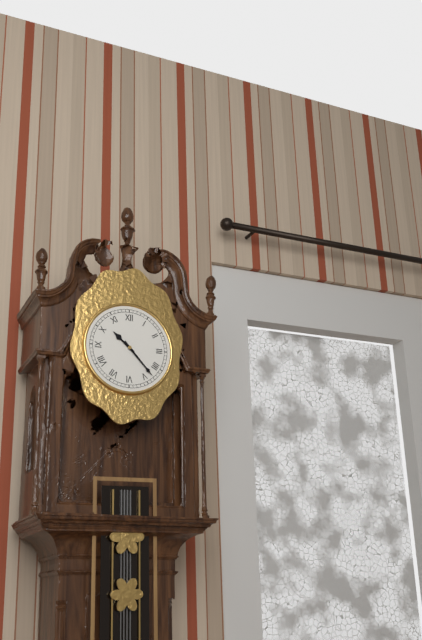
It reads **10:23**
